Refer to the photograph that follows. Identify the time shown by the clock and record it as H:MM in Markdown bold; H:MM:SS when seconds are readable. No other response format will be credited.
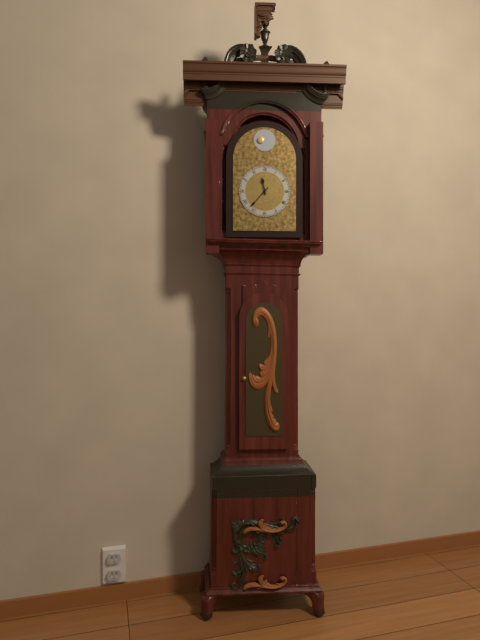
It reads **11:37**
